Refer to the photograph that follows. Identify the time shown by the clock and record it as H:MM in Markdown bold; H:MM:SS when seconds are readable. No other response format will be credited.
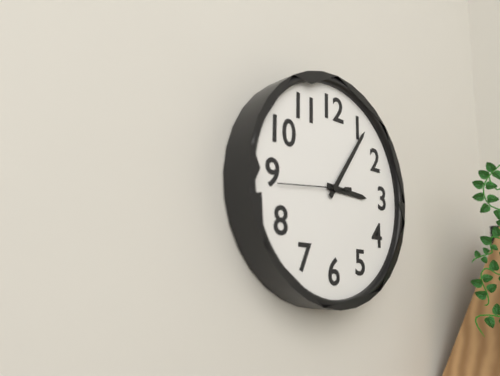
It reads **3:06**
